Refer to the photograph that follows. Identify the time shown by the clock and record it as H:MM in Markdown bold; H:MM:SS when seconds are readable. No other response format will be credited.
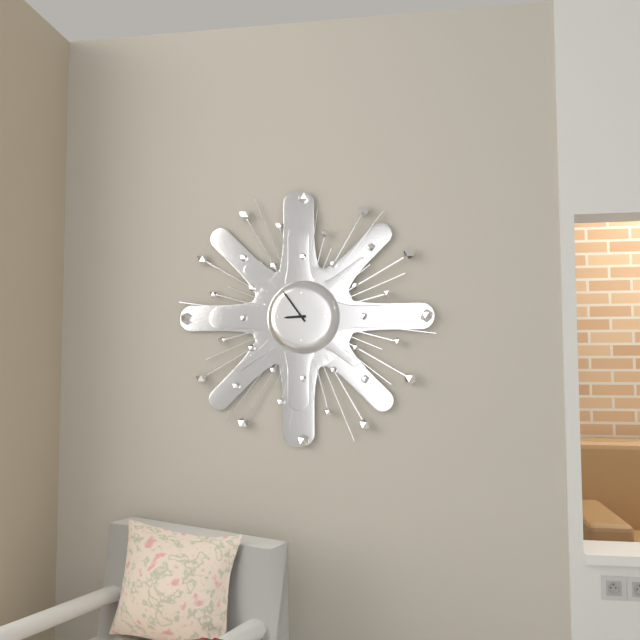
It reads **8:54**
